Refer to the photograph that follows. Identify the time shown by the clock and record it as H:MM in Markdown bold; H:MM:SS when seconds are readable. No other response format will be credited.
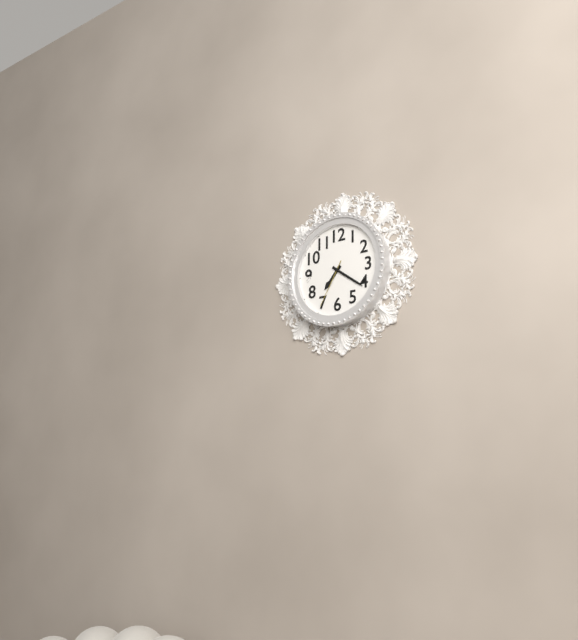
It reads **7:21:35**
